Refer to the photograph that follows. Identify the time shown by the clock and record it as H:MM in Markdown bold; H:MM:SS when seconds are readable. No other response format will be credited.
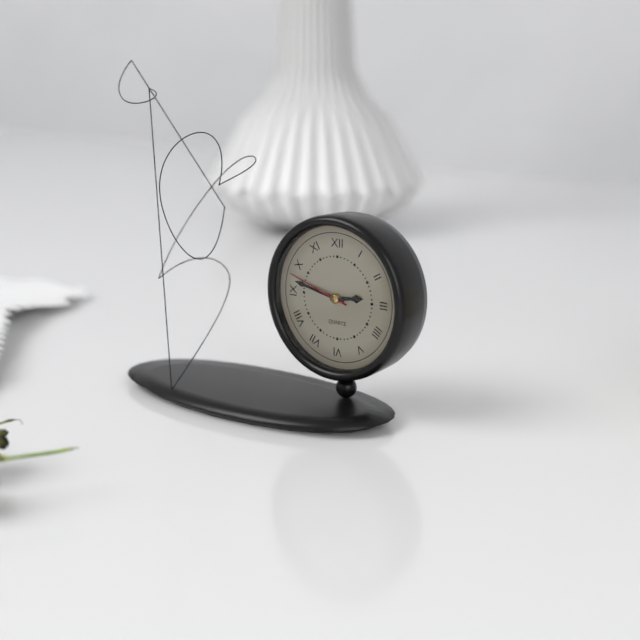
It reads **2:47:48**
